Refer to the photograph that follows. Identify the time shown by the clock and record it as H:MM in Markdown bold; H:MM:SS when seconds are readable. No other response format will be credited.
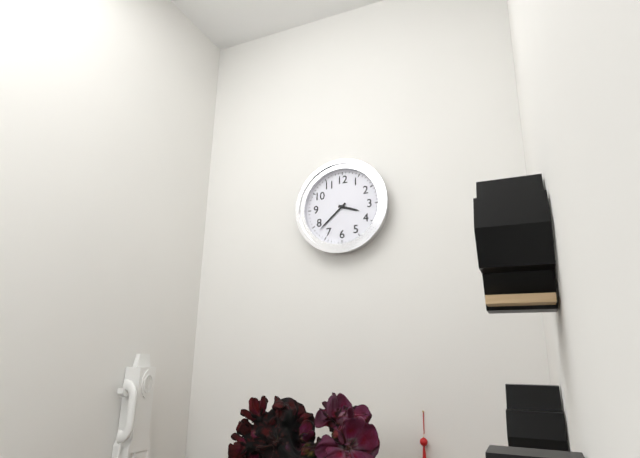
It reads **3:38**
